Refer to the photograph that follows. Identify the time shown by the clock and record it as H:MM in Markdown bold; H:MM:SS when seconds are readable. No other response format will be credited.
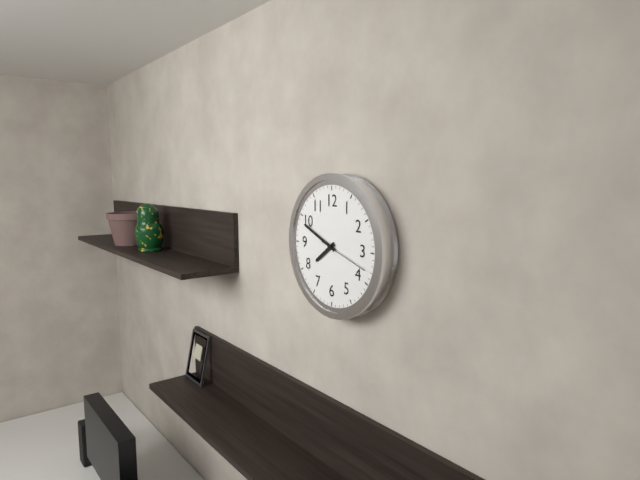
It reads **7:49:18**
